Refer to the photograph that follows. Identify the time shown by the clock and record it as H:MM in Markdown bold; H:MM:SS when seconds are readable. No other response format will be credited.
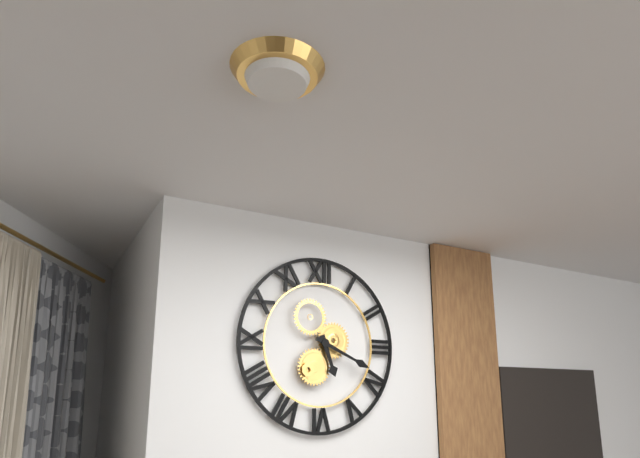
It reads **5:19**
